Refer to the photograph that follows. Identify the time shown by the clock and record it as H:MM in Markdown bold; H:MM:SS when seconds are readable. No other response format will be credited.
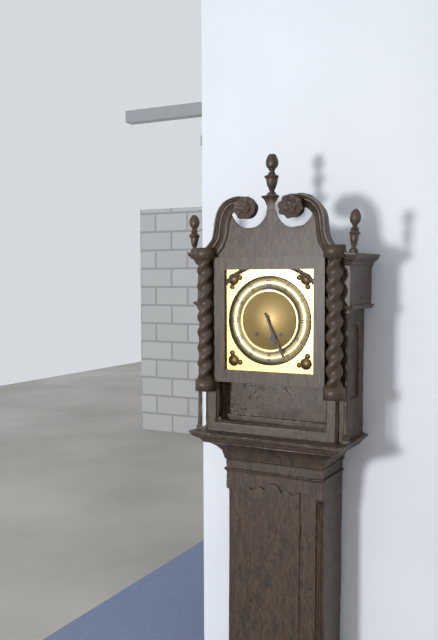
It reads **5:26**
